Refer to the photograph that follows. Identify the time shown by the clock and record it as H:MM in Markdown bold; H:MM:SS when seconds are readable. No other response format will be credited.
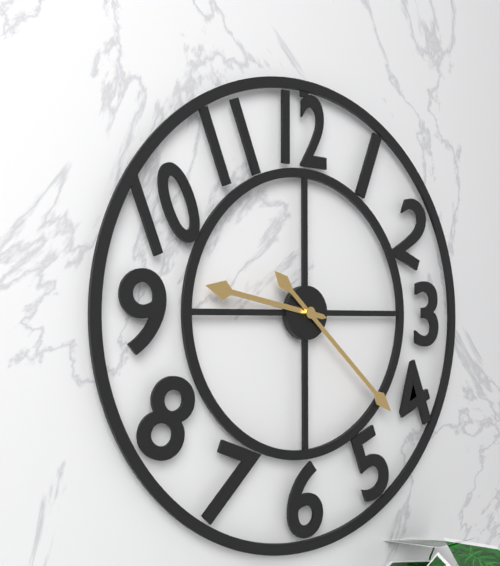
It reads **9:22**
